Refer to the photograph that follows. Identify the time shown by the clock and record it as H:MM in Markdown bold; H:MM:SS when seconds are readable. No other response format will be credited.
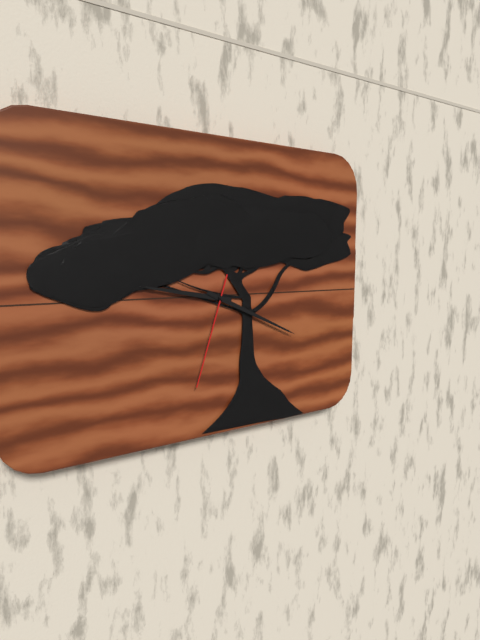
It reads **9:19:33**
